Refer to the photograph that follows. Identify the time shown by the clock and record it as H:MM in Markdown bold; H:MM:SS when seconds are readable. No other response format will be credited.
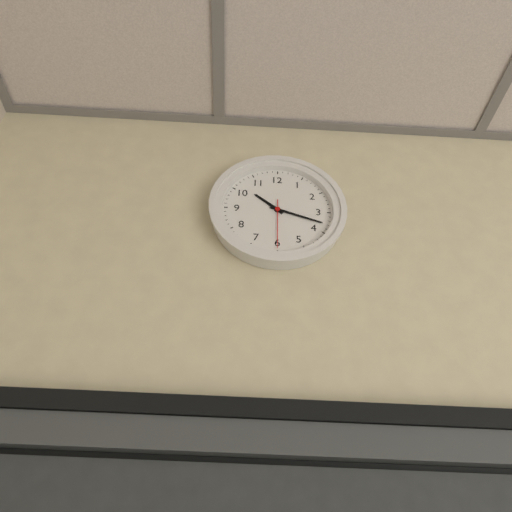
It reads **10:18**
